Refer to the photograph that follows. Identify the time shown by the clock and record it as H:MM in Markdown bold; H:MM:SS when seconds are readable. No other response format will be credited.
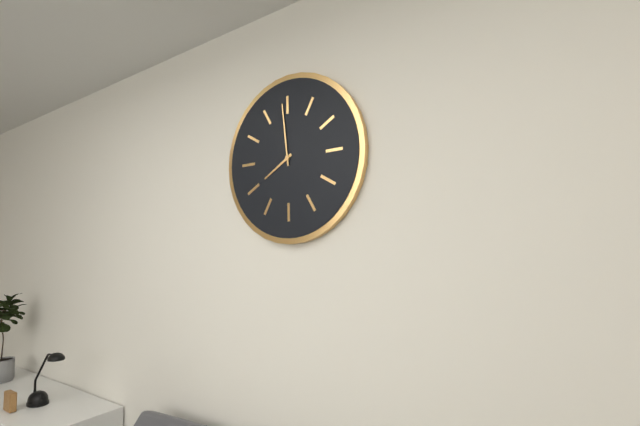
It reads **7:59**
